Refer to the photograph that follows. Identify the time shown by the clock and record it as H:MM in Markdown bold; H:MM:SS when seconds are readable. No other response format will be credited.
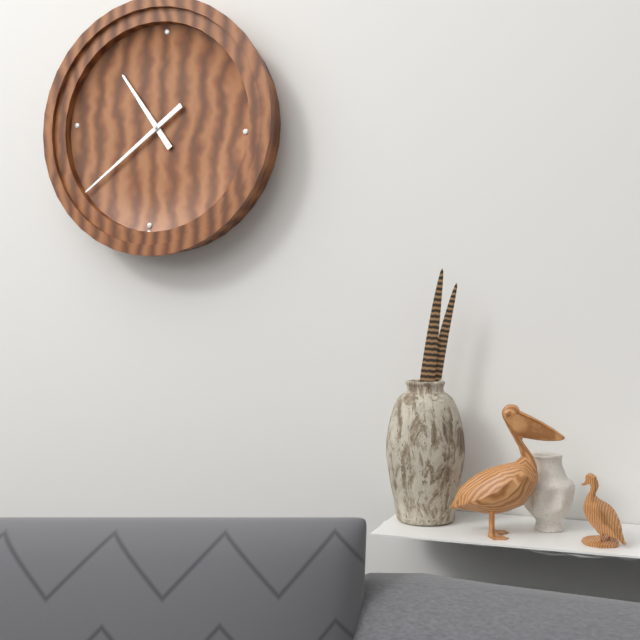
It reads **10:38**
